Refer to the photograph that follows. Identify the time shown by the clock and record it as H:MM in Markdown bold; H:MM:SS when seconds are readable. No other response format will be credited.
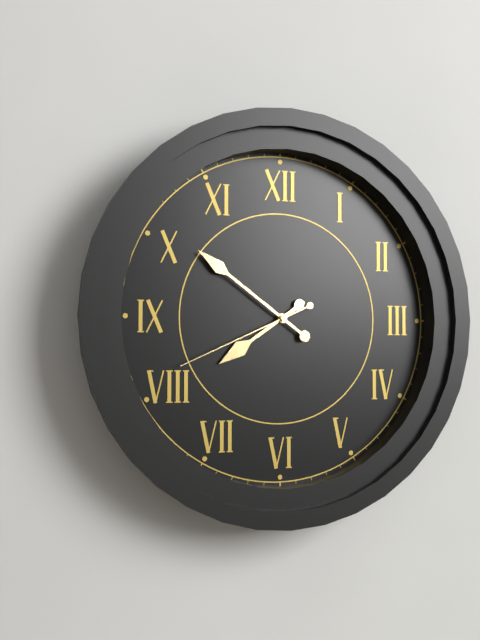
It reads **7:51:41**
